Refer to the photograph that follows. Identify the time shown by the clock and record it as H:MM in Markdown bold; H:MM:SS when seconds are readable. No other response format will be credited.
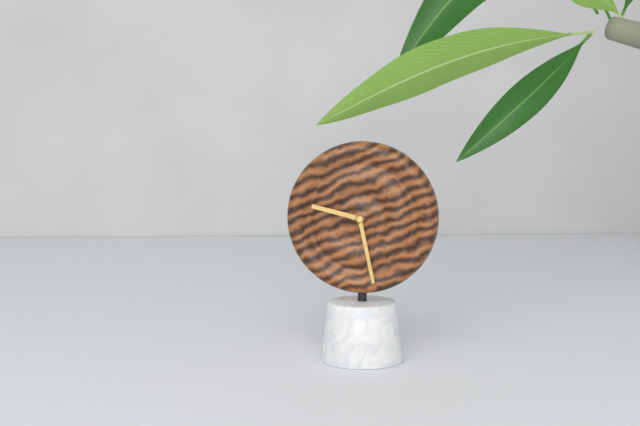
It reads **9:28**
